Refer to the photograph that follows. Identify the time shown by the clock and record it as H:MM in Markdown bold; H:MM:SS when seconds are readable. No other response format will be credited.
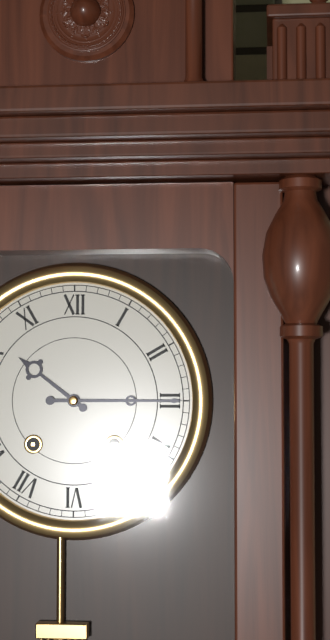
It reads **10:15**
